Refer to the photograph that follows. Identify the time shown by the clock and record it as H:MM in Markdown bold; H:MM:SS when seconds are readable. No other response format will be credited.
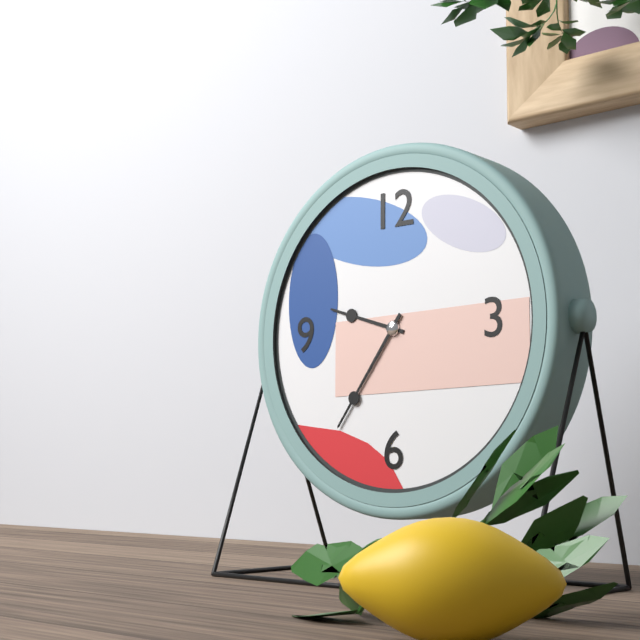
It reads **9:36**
